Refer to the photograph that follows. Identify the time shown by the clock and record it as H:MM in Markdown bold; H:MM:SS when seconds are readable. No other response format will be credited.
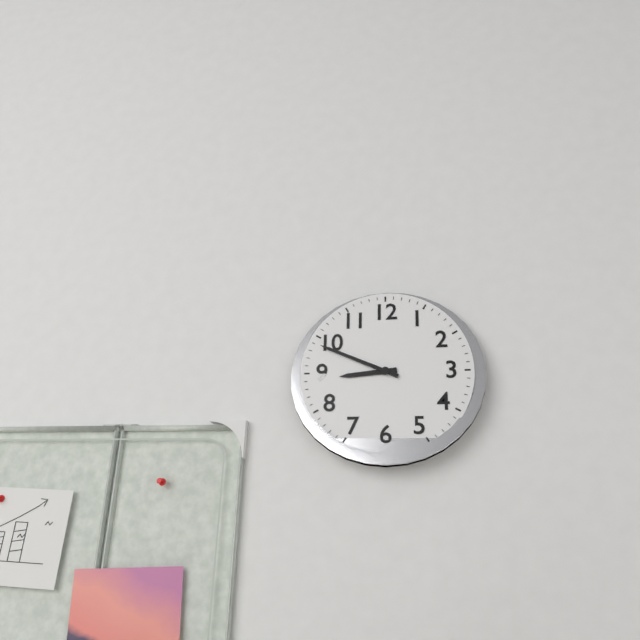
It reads **8:49**
